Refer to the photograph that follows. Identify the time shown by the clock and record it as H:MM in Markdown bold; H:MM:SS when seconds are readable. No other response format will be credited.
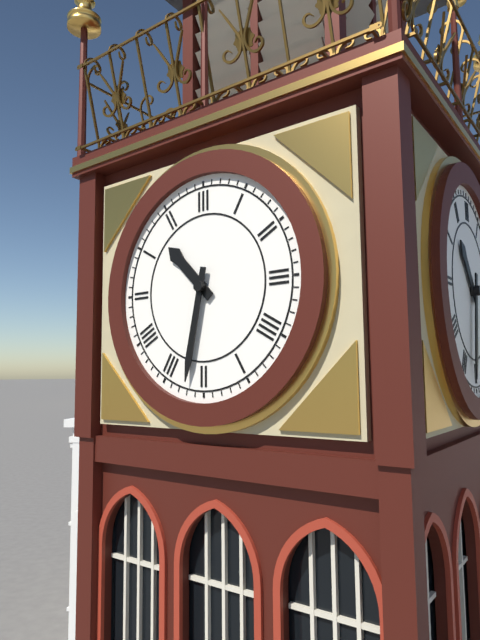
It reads **10:32**
